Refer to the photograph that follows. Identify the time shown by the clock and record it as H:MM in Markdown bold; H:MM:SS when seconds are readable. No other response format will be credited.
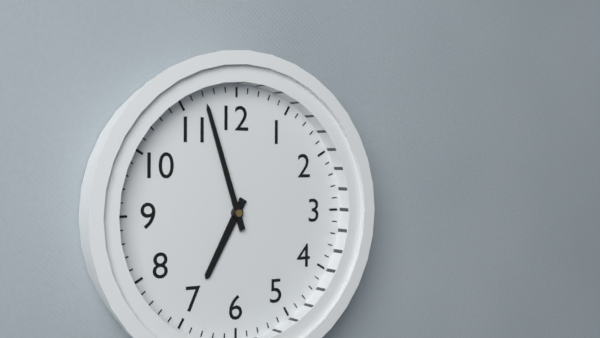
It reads **6:57**
